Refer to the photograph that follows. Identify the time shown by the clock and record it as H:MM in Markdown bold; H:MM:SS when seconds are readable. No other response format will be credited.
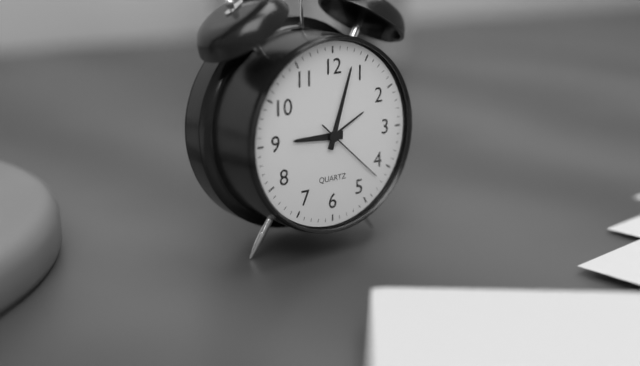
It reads **9:03:22**
